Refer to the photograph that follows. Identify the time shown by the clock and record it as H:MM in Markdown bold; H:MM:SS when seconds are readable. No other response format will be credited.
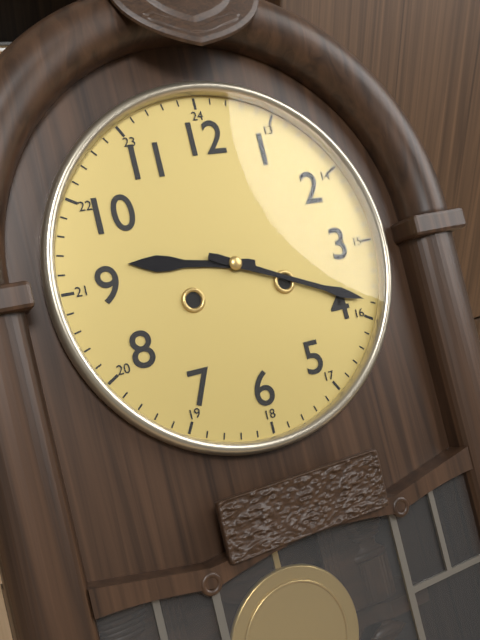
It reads **9:19**
